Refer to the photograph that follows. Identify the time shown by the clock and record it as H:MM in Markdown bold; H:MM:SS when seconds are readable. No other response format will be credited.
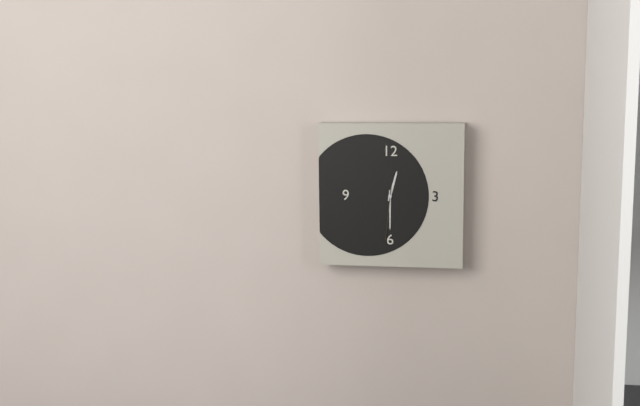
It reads **12:30:31**
